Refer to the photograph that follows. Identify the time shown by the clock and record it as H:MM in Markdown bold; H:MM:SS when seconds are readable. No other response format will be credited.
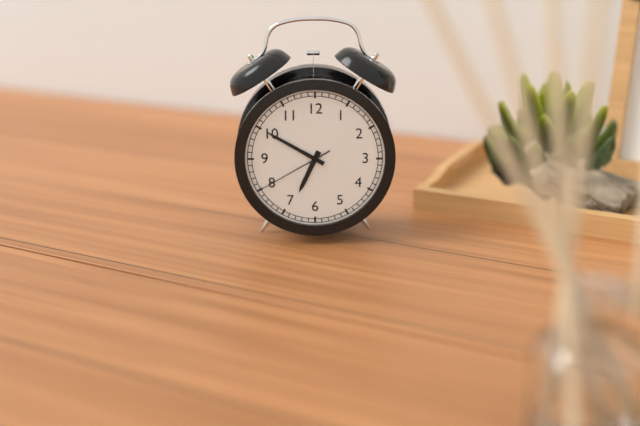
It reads **6:50:40**
